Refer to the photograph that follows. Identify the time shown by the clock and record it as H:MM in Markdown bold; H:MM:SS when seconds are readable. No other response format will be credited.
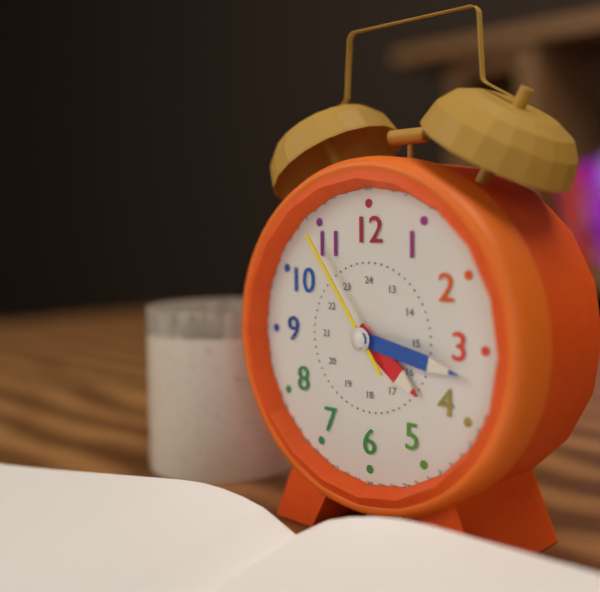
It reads **4:17:54**
